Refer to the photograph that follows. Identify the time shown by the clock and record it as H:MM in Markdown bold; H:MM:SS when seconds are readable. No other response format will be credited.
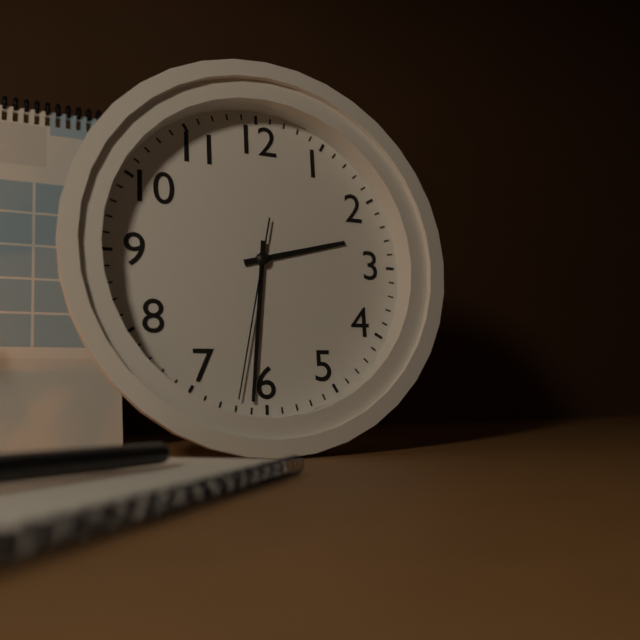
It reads **2:31:32**
